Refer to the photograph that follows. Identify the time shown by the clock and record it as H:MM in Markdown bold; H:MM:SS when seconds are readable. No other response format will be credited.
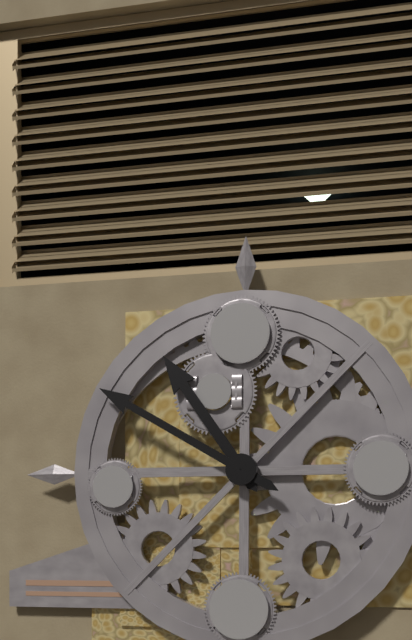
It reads **10:50**
